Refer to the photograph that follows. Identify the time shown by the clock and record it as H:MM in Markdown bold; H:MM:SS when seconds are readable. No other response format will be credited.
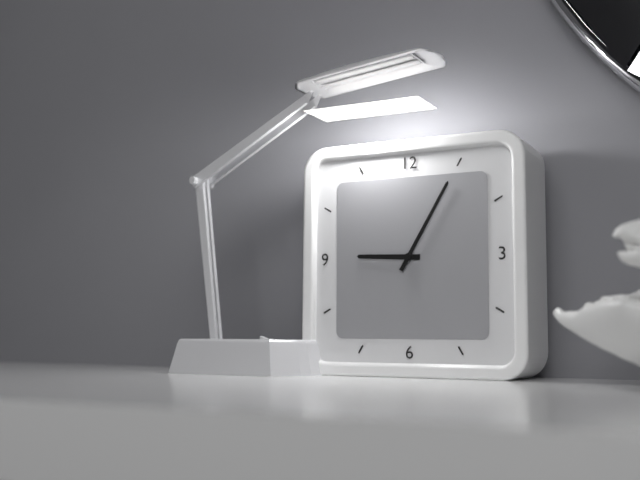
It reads **9:05**
